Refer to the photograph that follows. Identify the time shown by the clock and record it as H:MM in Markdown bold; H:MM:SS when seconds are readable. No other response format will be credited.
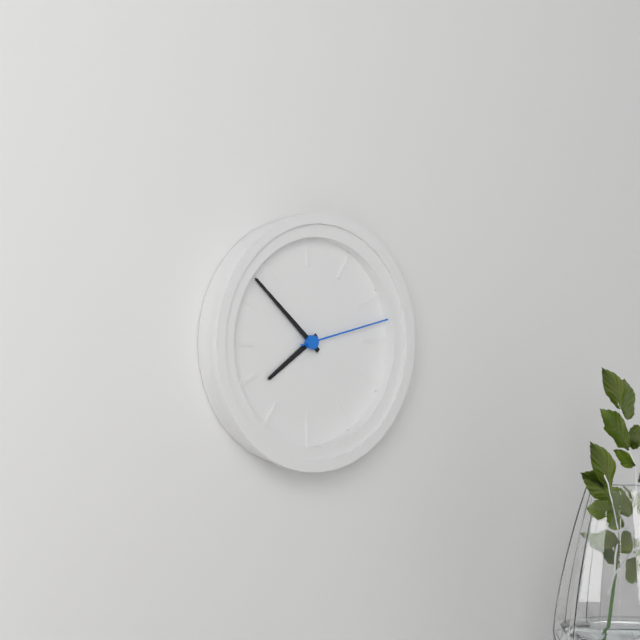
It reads **7:52:13**
